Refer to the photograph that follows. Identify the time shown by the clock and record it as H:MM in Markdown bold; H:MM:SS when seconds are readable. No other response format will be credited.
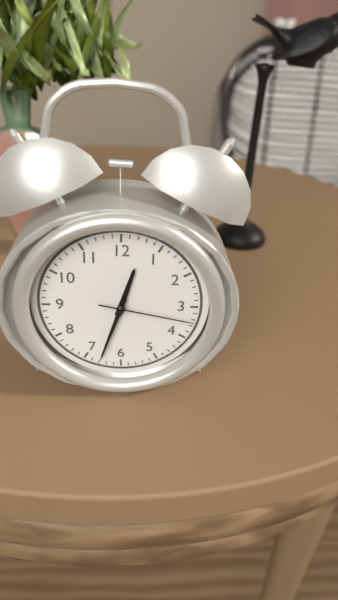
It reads **12:33:17**
